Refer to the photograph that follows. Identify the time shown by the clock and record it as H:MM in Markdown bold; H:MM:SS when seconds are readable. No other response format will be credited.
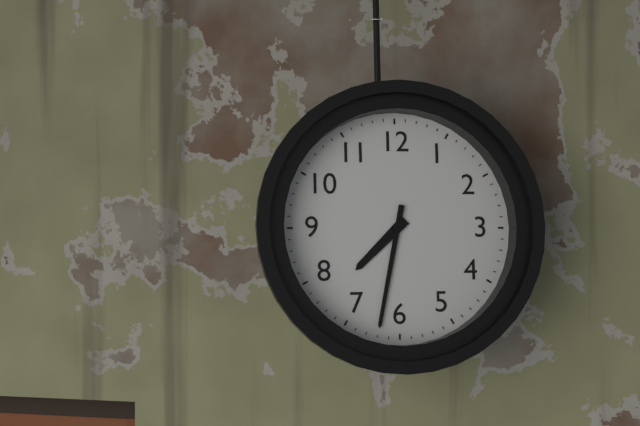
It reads **7:32**
